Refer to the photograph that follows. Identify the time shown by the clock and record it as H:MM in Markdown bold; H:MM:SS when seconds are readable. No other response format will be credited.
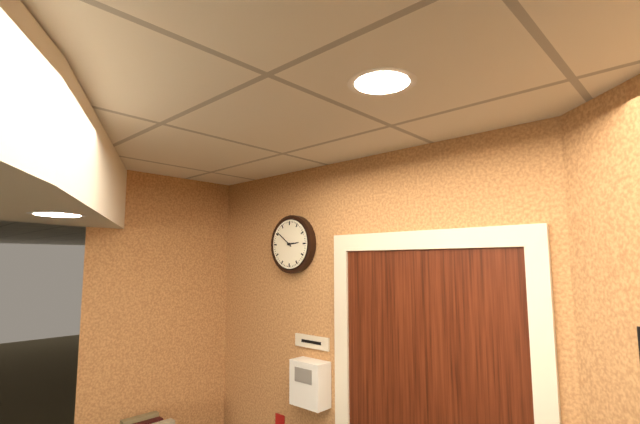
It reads **2:51**
